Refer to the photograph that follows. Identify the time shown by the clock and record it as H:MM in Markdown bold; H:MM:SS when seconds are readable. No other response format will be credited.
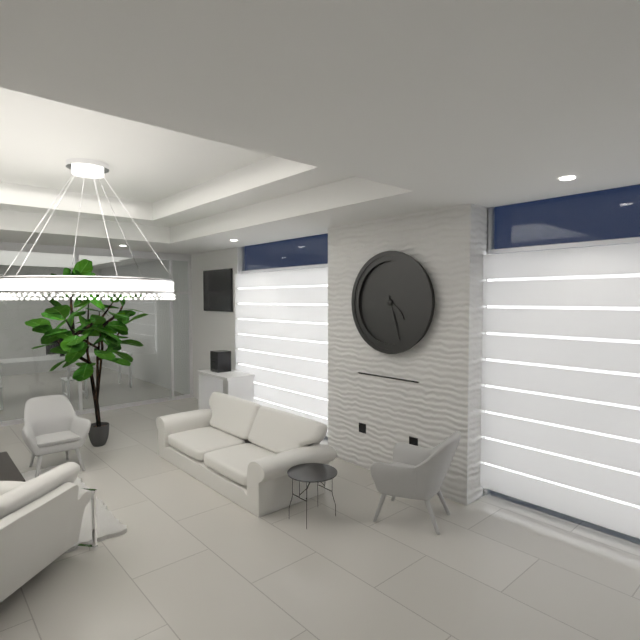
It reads **4:27**
